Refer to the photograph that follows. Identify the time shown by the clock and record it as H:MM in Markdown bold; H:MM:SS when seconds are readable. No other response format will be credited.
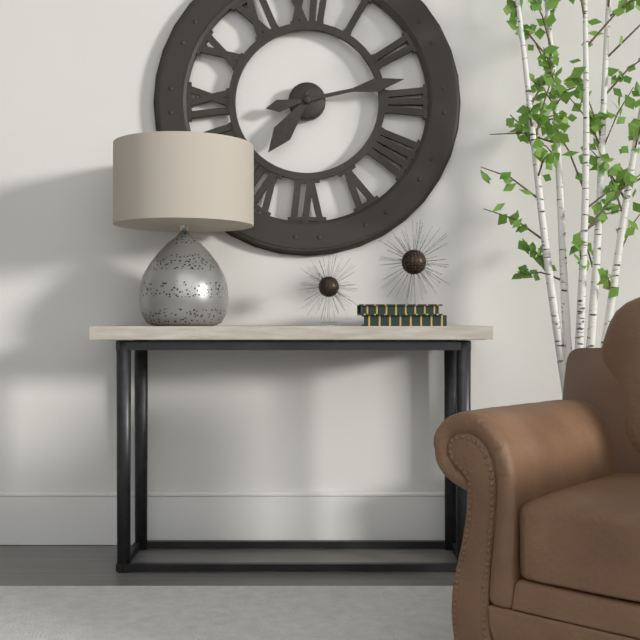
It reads **7:13**
